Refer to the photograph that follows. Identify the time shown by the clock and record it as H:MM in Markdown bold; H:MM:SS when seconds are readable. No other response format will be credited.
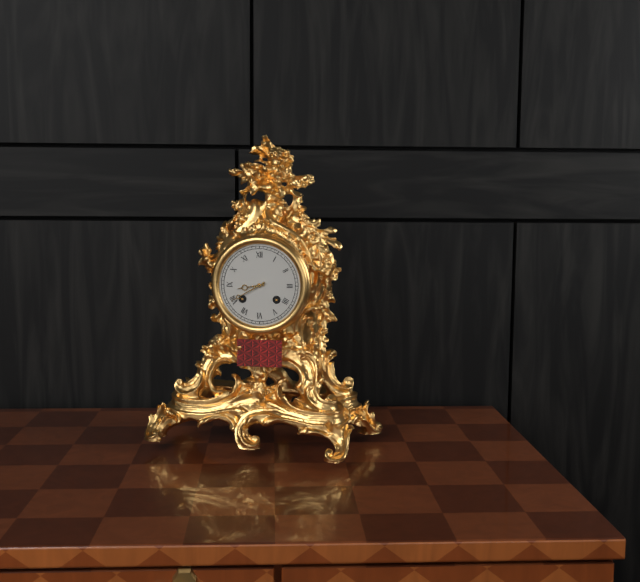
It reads **8:40**
